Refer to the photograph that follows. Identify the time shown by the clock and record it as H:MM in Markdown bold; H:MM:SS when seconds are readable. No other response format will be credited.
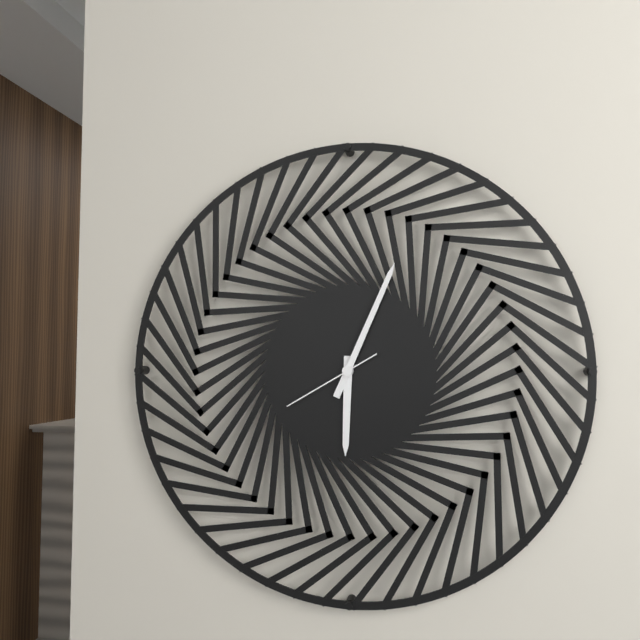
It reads **6:04:40**
